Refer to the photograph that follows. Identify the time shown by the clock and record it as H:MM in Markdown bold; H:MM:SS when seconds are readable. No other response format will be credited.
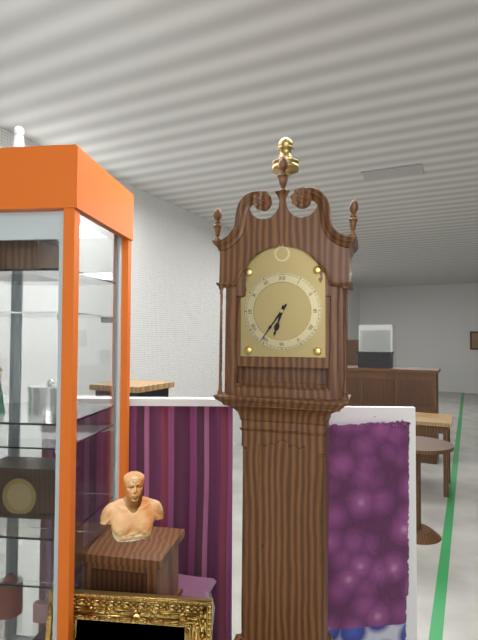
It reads **6:36**
